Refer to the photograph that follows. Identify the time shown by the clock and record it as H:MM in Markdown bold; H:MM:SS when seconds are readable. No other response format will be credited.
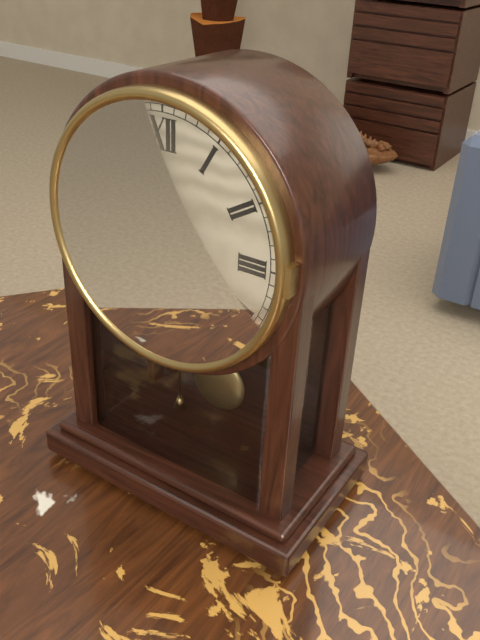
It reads **4:30**
